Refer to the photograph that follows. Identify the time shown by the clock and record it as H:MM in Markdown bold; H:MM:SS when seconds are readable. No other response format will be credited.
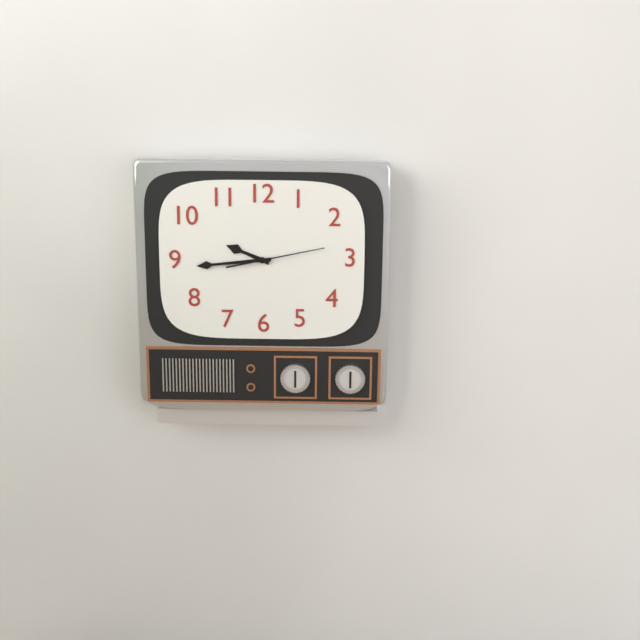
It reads **9:44:13**
